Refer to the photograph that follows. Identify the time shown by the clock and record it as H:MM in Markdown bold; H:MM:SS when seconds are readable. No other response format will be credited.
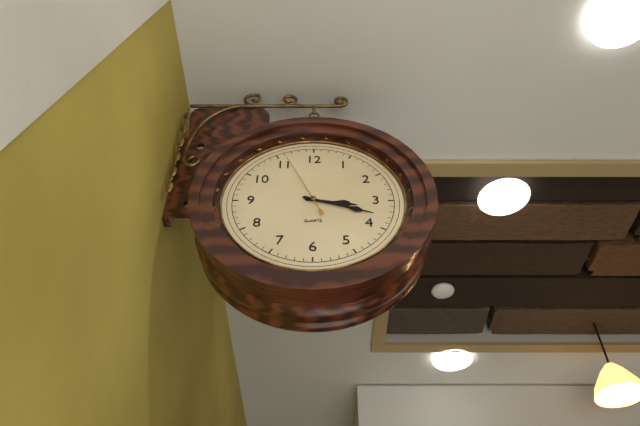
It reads **3:18:56**
